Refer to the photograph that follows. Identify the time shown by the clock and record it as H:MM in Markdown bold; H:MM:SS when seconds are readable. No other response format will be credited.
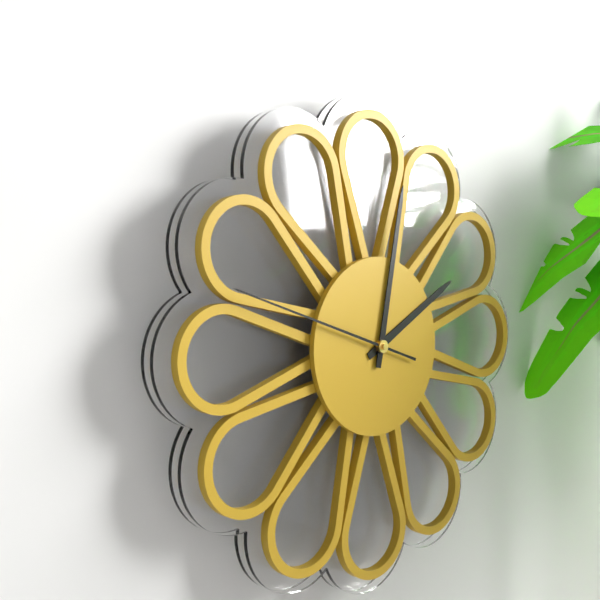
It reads **2:02:48**
